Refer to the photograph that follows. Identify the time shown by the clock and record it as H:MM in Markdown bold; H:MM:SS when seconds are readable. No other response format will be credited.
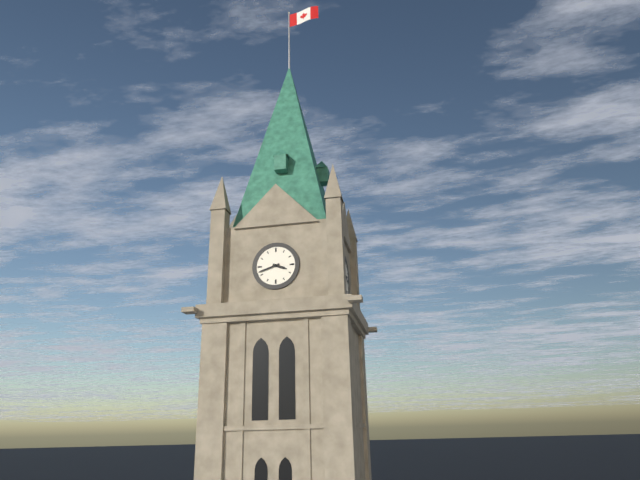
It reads **3:42**
